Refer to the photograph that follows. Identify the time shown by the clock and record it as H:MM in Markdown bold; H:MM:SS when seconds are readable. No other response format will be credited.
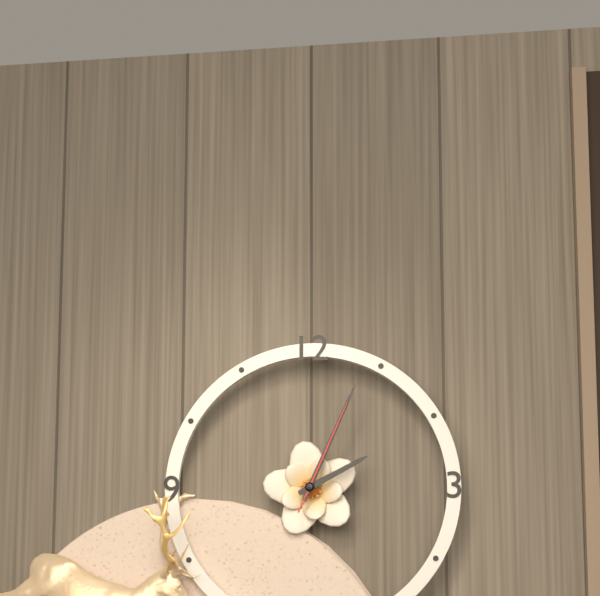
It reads **2:04:04**
